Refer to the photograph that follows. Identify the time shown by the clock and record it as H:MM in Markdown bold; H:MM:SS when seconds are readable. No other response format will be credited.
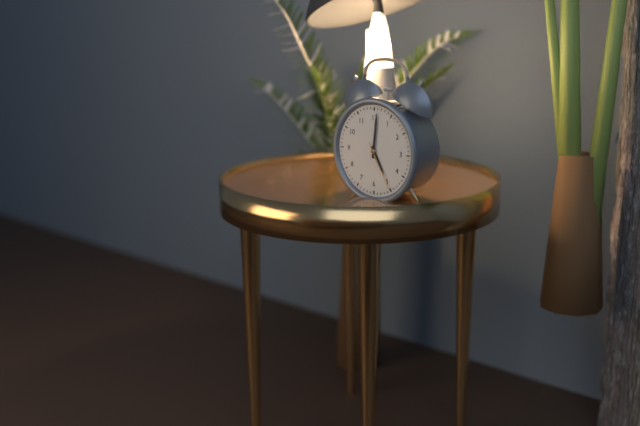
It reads **5:01:25**
